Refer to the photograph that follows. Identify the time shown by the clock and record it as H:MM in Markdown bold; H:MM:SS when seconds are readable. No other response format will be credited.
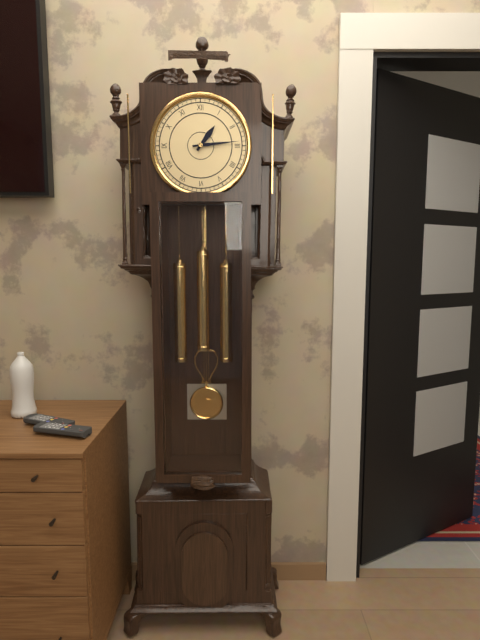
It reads **1:14**
